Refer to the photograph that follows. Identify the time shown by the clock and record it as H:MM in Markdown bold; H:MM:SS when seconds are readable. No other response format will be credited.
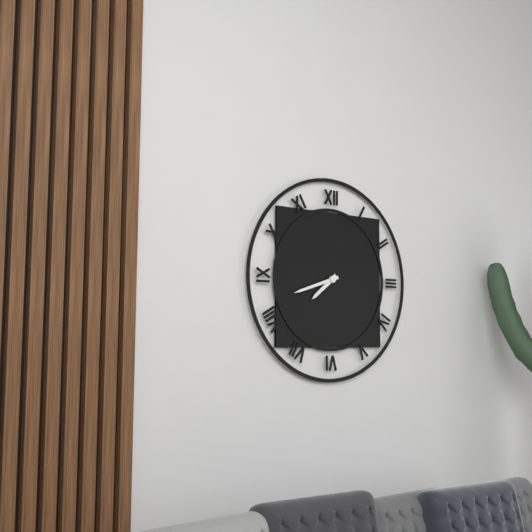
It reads **7:42**
